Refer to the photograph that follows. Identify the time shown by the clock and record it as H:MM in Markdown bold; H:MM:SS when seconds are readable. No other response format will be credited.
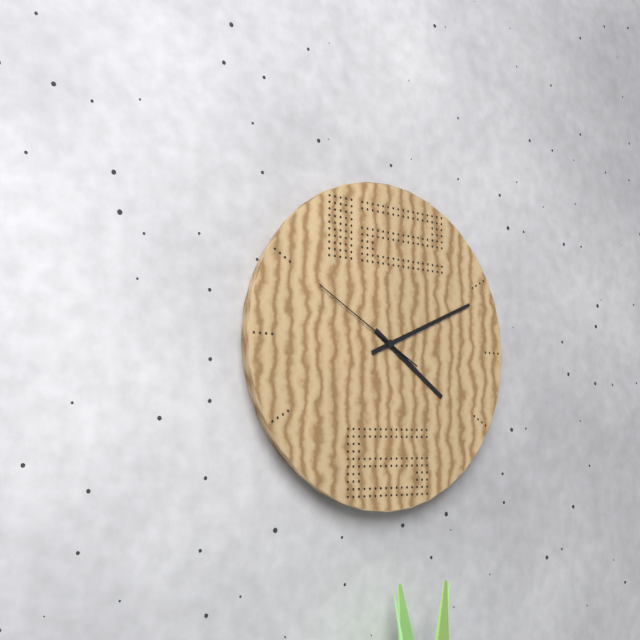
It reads **4:11:50**
